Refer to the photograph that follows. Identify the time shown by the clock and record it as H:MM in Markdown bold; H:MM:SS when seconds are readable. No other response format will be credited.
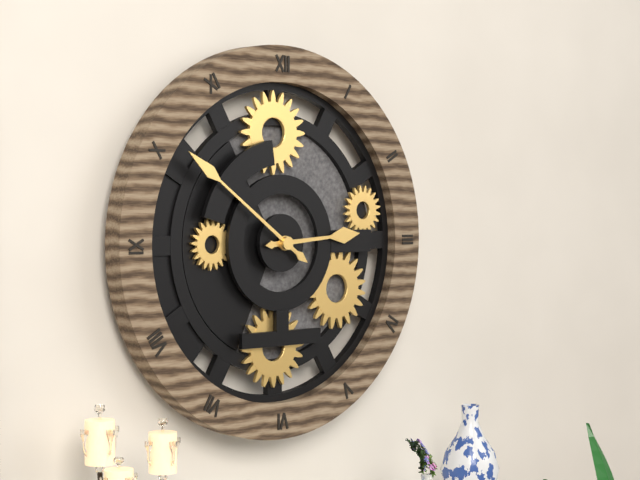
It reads **2:51**
